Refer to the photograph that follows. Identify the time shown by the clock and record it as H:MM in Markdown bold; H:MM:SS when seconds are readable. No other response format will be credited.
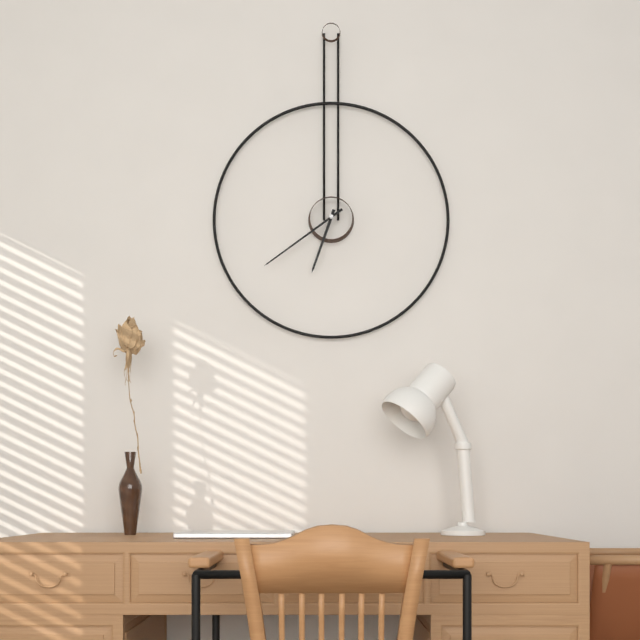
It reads **6:39**
